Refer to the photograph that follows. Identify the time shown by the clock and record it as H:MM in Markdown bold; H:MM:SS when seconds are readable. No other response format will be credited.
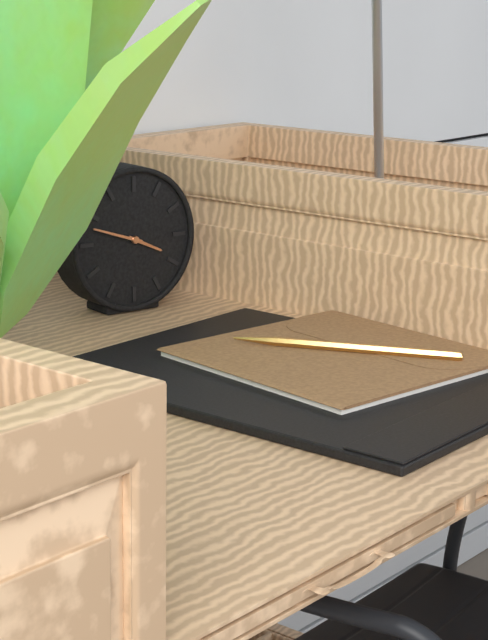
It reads **3:48**
